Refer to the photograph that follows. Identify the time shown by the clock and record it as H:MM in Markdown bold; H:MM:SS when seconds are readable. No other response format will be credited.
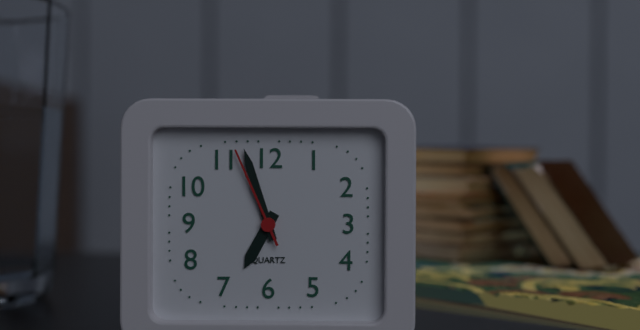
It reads **6:57:56**
